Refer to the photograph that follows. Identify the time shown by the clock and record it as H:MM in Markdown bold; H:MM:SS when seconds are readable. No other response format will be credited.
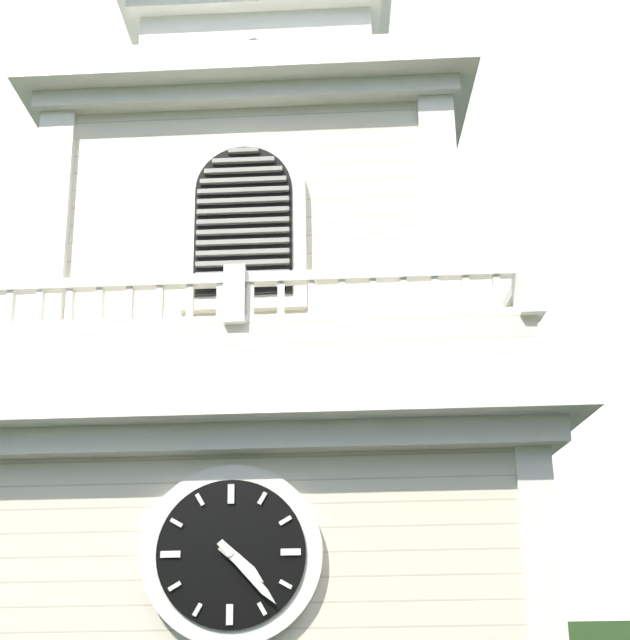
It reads **4:23**
